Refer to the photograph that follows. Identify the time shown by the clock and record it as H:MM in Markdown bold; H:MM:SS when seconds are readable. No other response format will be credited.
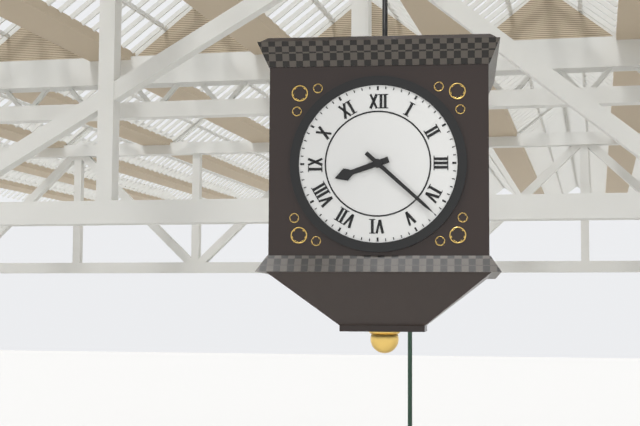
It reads **8:22**
